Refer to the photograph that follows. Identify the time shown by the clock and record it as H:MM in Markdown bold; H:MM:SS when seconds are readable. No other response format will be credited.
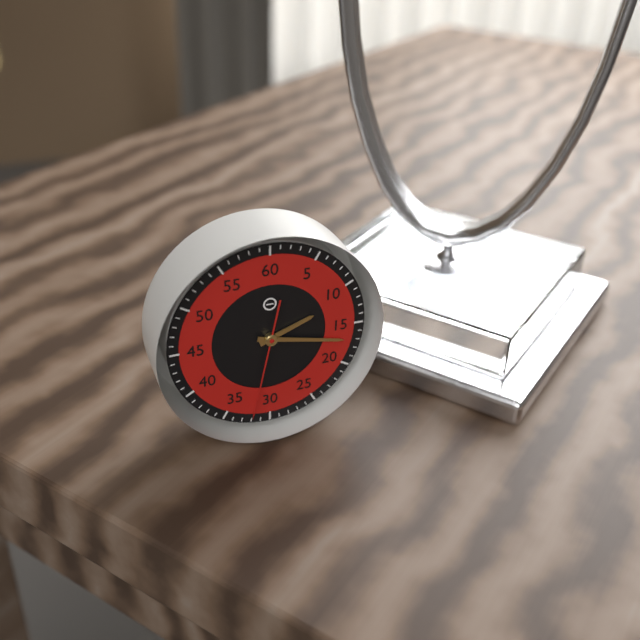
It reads **2:17:32**
